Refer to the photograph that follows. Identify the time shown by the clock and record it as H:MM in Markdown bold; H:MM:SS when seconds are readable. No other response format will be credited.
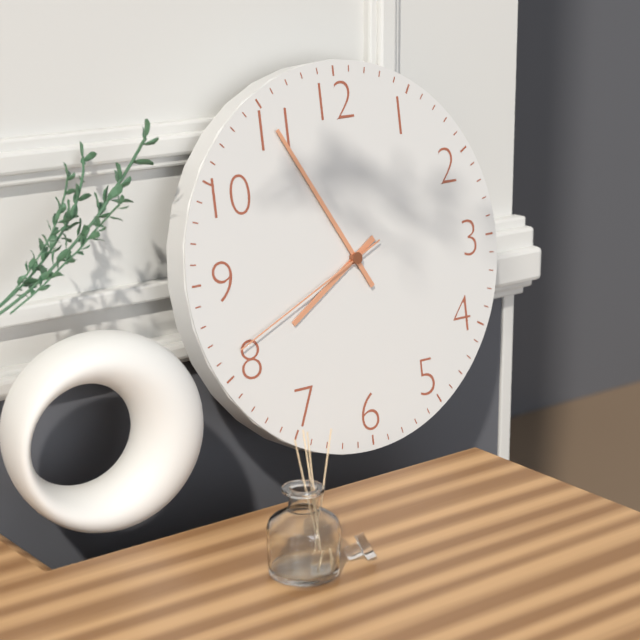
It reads **7:55:41**
